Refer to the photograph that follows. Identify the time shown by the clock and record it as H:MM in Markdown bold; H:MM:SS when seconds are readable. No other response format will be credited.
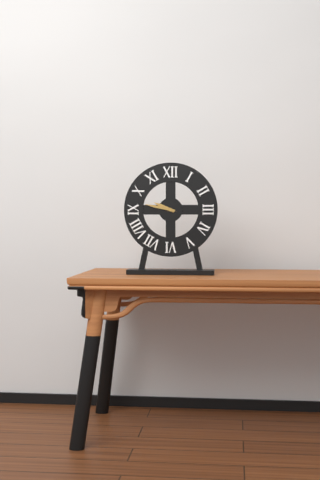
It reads **9:47**
